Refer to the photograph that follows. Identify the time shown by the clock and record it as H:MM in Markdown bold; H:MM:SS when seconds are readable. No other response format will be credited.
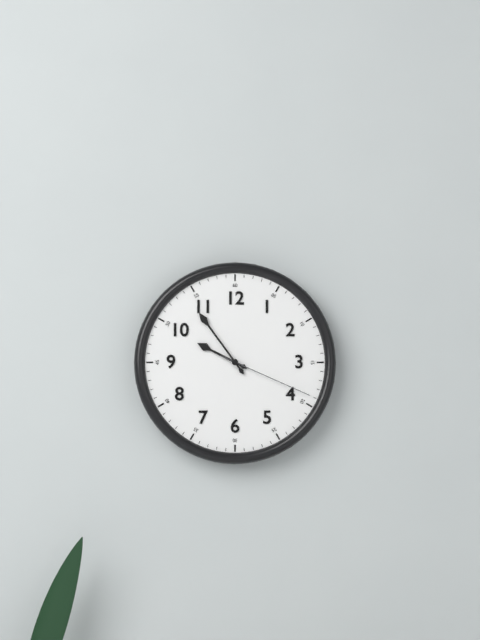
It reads **9:54:19**
